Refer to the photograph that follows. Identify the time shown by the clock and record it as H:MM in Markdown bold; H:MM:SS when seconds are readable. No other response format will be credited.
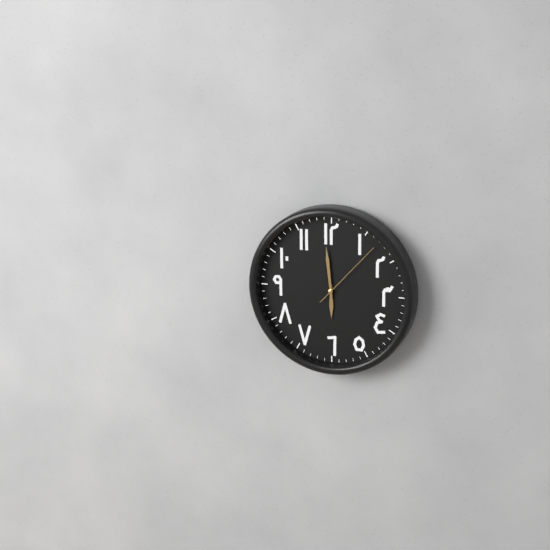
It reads **5:59:07**
